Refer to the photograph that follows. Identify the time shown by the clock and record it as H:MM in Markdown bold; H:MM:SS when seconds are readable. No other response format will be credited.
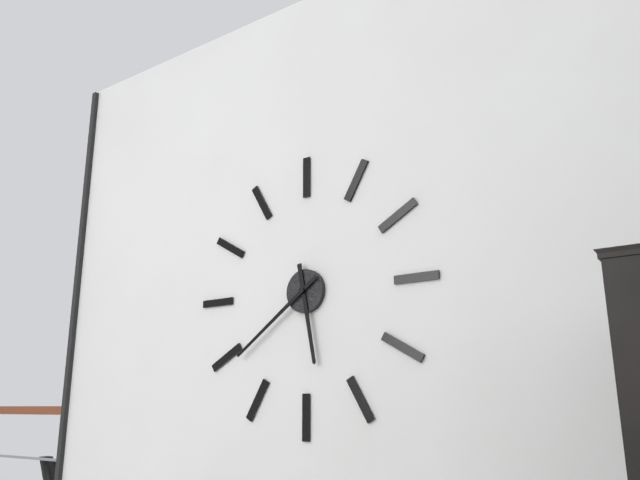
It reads **5:39**
